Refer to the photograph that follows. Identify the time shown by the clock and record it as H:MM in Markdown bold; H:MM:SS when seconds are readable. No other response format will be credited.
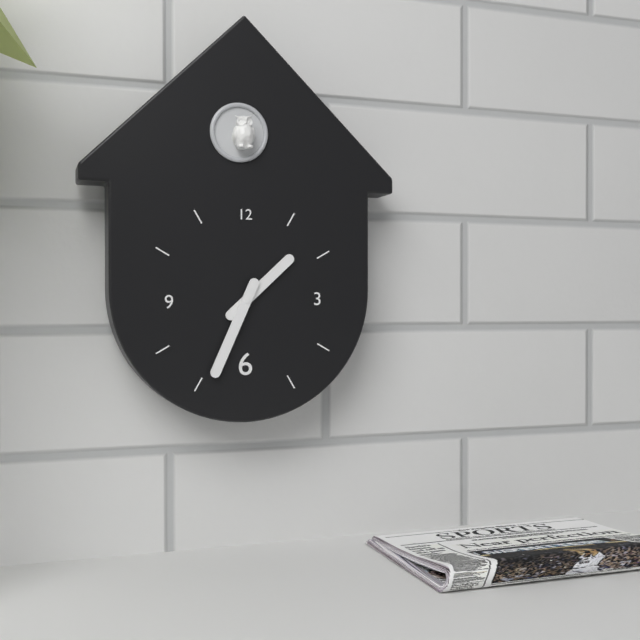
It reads **1:34**
